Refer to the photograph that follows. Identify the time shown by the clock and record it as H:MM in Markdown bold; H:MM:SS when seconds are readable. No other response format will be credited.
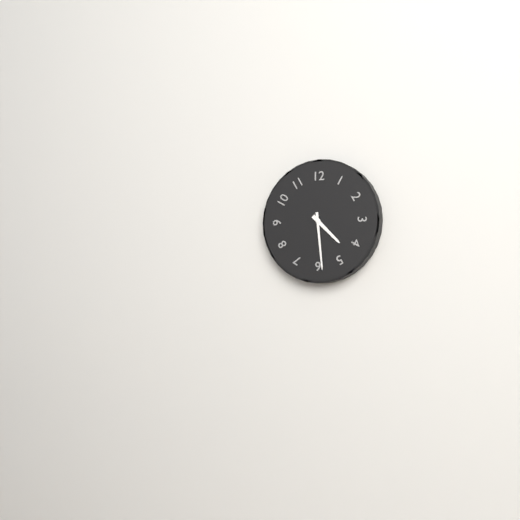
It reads **4:29**
